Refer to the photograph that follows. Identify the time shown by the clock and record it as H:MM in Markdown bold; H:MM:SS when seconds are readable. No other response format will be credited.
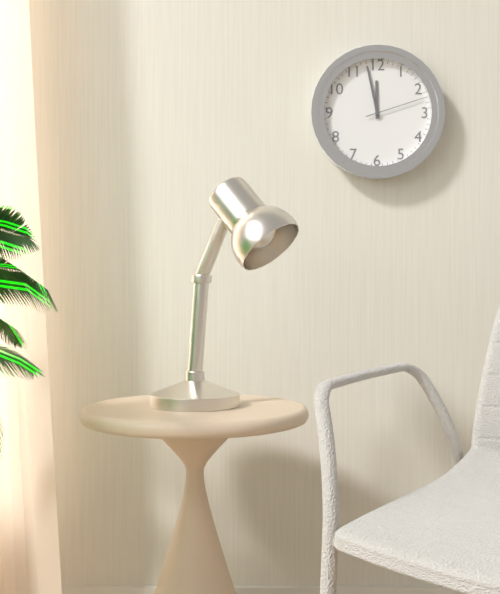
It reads **11:58:12**
